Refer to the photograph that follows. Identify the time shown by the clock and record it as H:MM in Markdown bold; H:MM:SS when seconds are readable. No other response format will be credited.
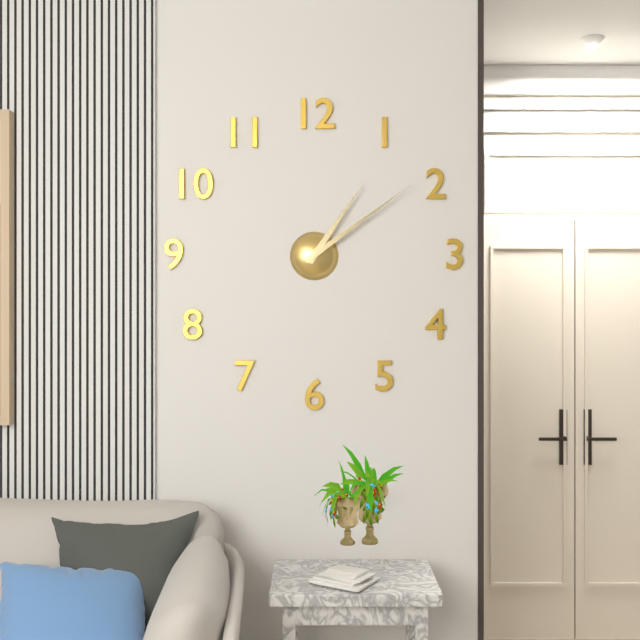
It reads **1:09**
